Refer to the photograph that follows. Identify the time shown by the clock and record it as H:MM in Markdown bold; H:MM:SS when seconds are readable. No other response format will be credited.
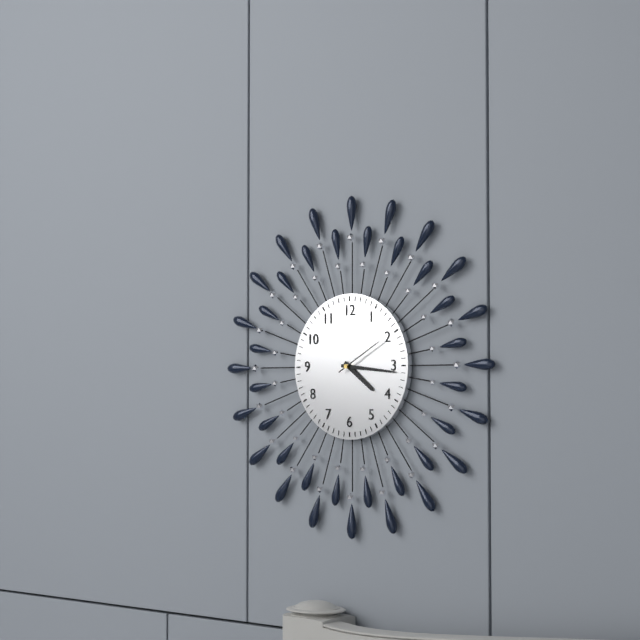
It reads **4:16:10**
